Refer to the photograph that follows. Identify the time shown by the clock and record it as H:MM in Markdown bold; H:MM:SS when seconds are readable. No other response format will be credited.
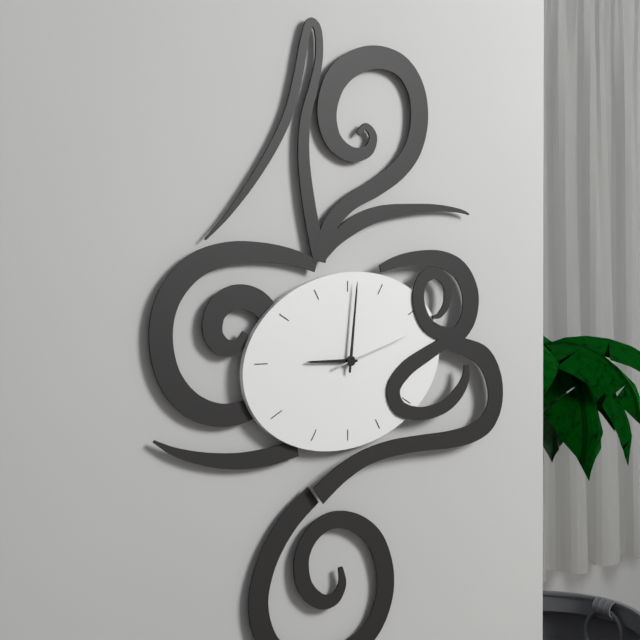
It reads **9:01:12**
